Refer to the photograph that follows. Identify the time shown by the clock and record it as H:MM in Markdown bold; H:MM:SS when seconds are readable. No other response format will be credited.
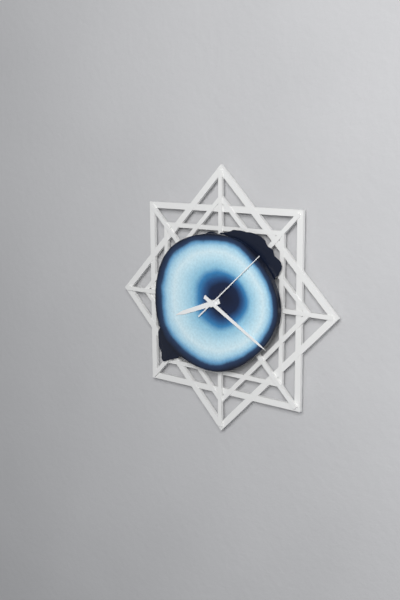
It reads **8:20:08**
